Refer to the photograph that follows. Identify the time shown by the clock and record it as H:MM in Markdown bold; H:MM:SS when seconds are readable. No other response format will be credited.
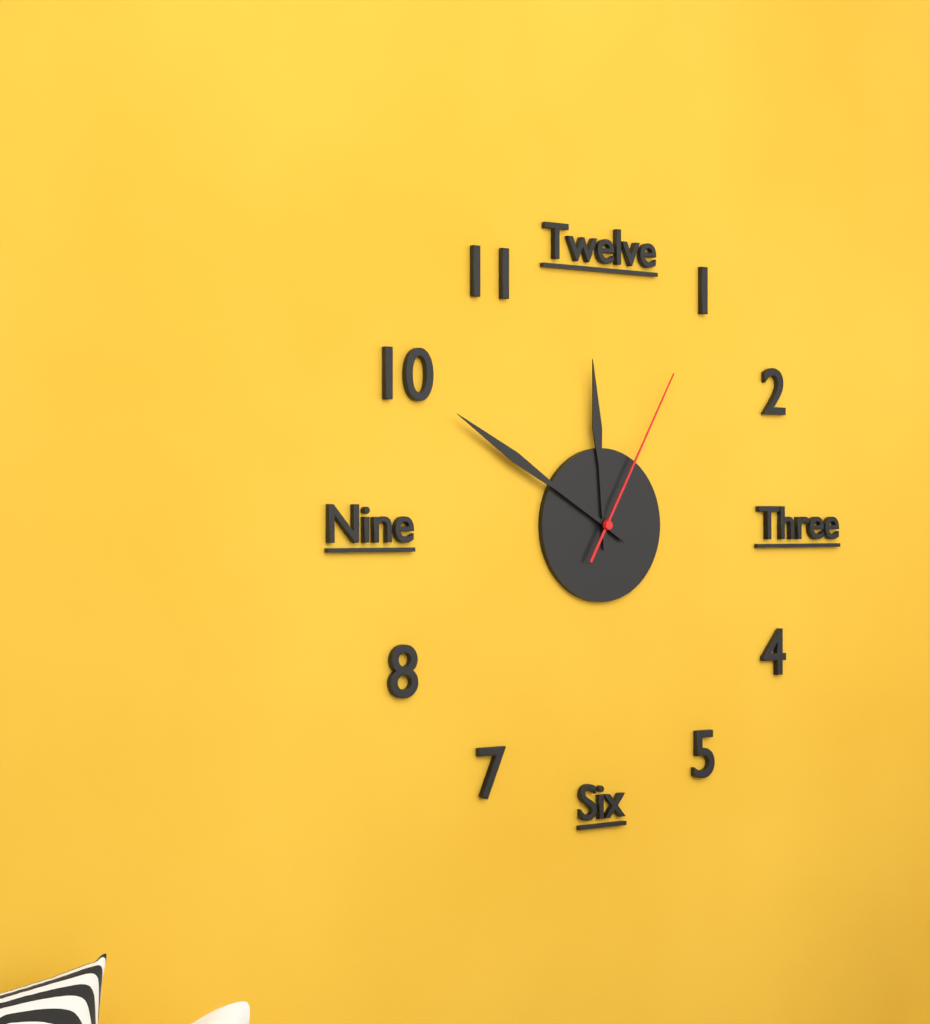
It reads **11:50:05**
